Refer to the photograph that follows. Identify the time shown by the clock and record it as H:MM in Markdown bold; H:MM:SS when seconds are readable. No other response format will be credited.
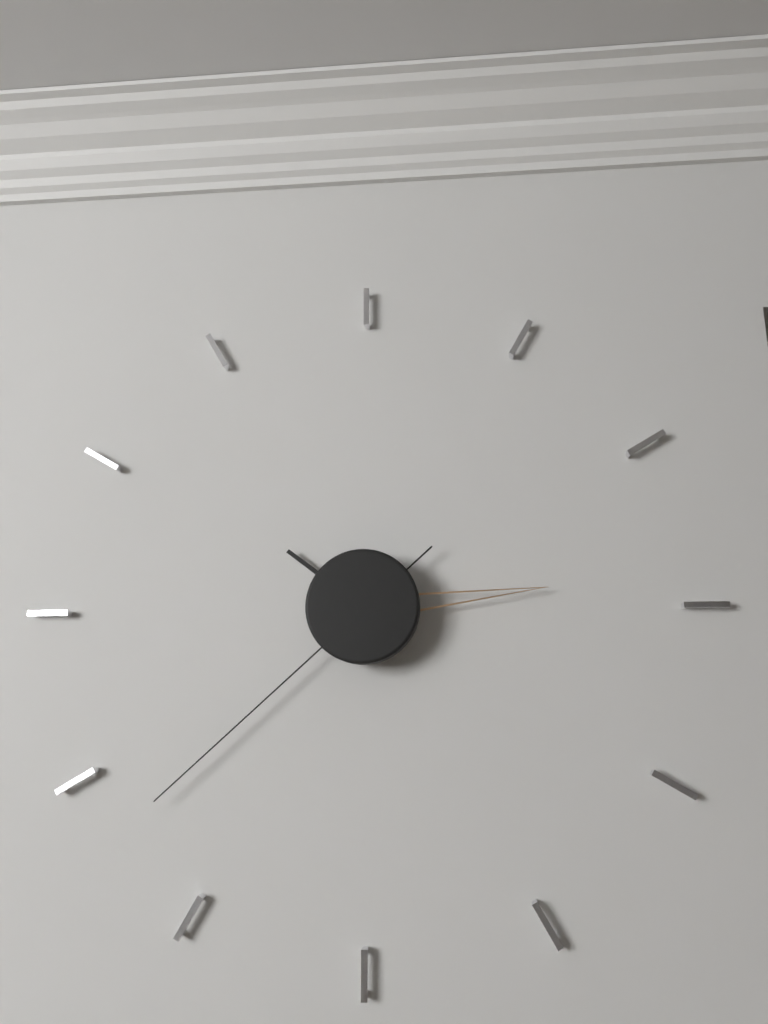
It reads **10:14:38**
